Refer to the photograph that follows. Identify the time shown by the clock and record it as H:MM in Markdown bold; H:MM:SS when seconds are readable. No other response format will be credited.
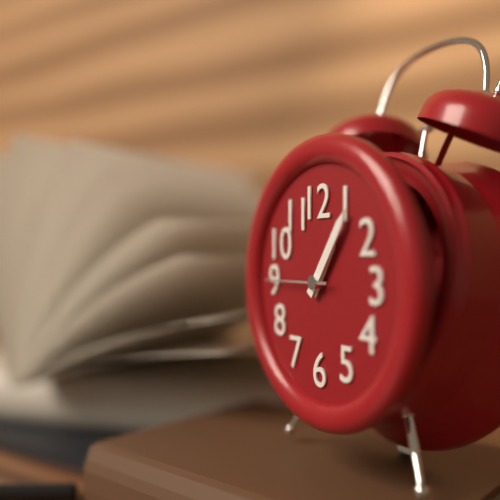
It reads **1:06:45**
